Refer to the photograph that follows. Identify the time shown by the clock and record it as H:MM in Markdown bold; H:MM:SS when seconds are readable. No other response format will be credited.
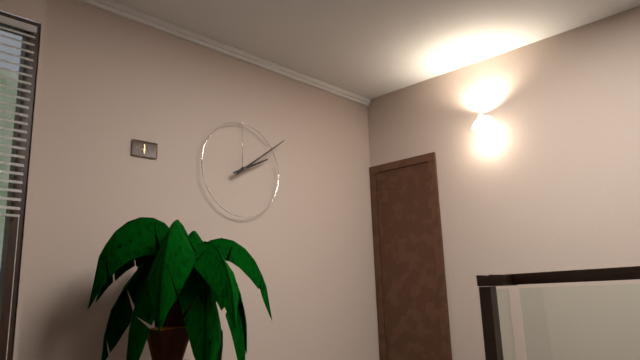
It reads **2:09**
